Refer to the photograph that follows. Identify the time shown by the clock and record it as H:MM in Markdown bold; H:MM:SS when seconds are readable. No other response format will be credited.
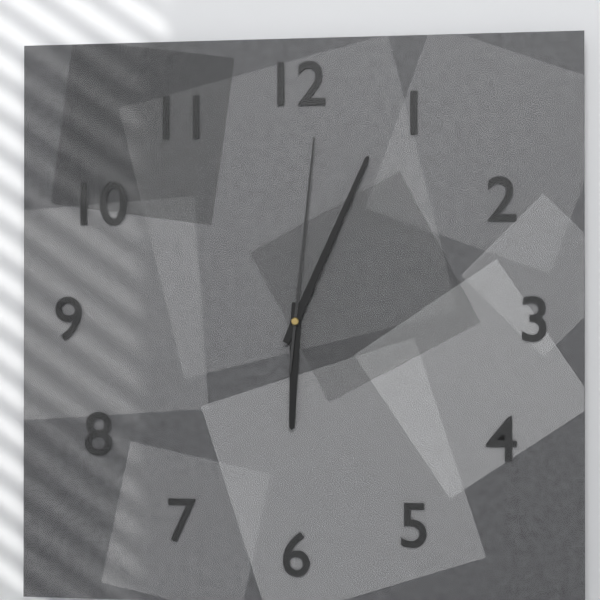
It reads **6:04:01**
